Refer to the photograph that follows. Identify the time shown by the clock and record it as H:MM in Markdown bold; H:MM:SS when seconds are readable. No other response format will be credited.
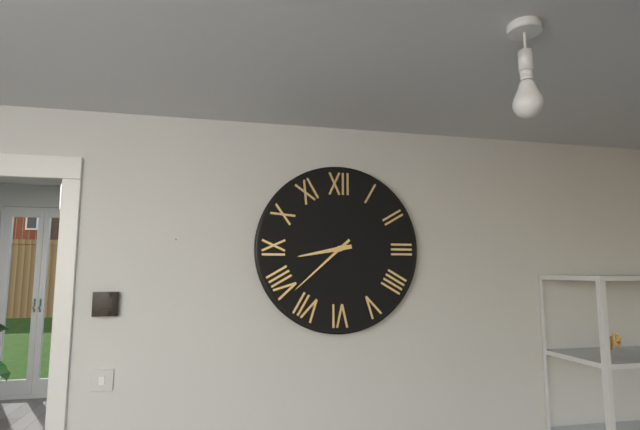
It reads **8:38**
